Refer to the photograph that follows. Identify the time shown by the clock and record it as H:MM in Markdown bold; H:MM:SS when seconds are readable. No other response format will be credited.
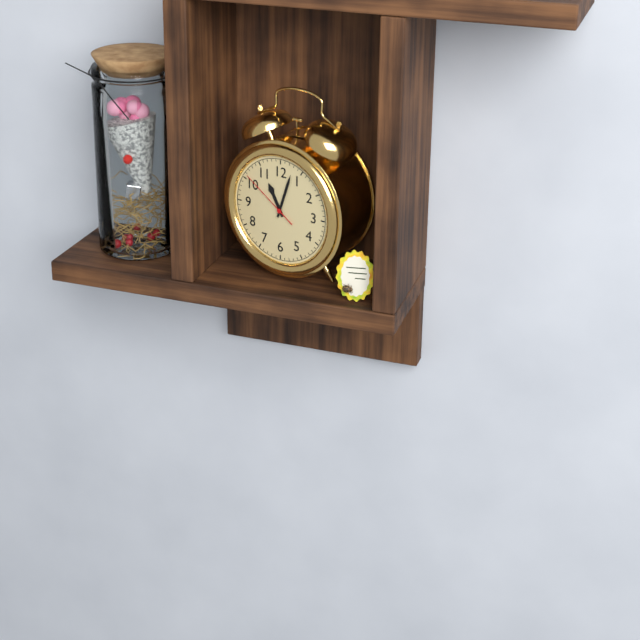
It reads **11:03:51**
